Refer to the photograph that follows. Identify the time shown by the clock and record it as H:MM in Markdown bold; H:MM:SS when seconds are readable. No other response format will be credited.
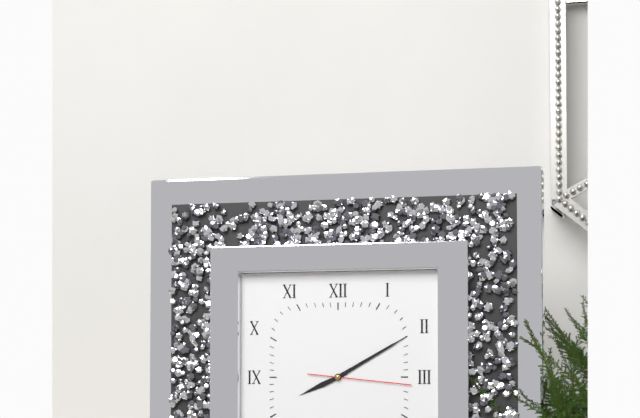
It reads **8:10:16**
